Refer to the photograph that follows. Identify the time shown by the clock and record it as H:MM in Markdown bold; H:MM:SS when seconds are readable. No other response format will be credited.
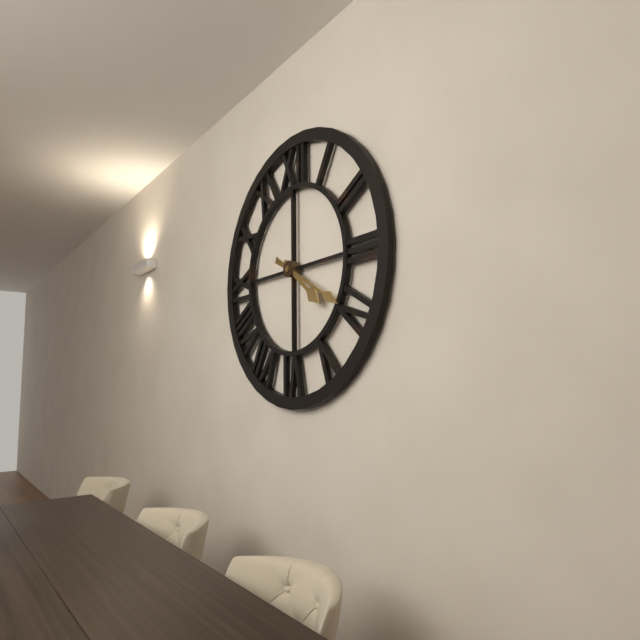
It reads **4:20**
